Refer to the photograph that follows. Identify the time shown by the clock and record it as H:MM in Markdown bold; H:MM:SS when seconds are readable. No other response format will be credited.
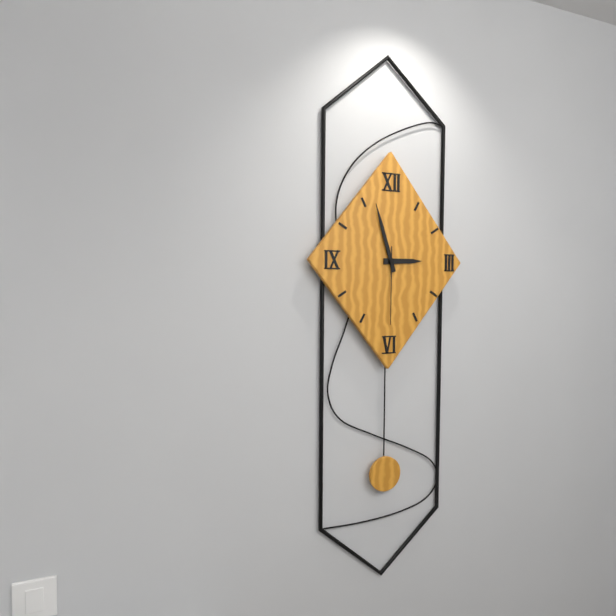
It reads **2:57:30**
